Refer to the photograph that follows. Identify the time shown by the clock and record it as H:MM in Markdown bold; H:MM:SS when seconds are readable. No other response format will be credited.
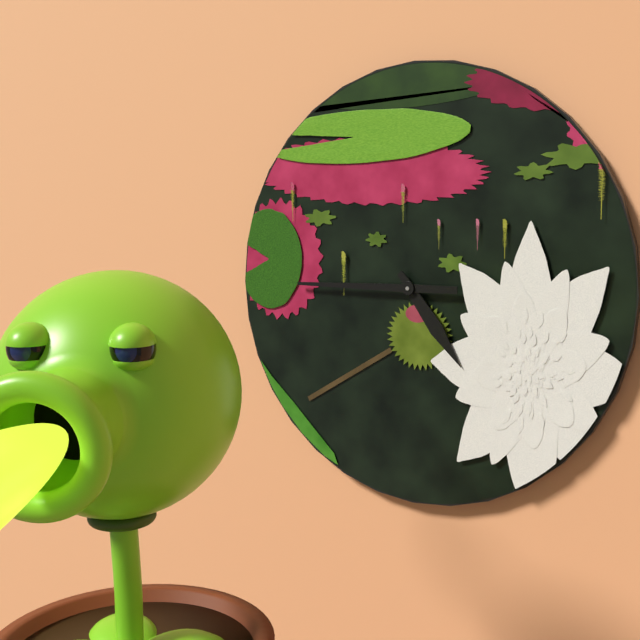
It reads **4:45**
